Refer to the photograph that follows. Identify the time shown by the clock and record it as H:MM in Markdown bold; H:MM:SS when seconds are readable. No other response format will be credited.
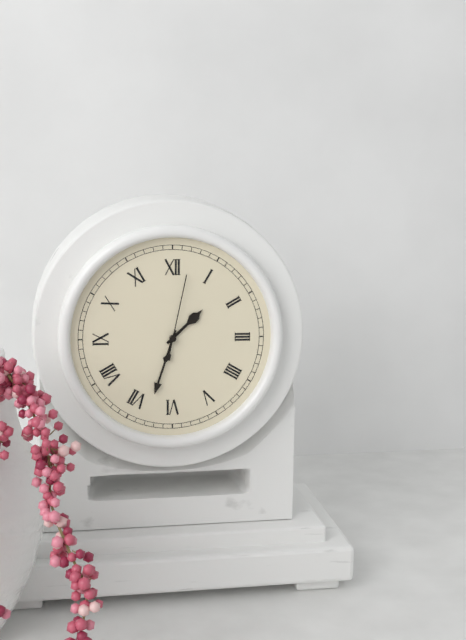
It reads **1:33:02**
